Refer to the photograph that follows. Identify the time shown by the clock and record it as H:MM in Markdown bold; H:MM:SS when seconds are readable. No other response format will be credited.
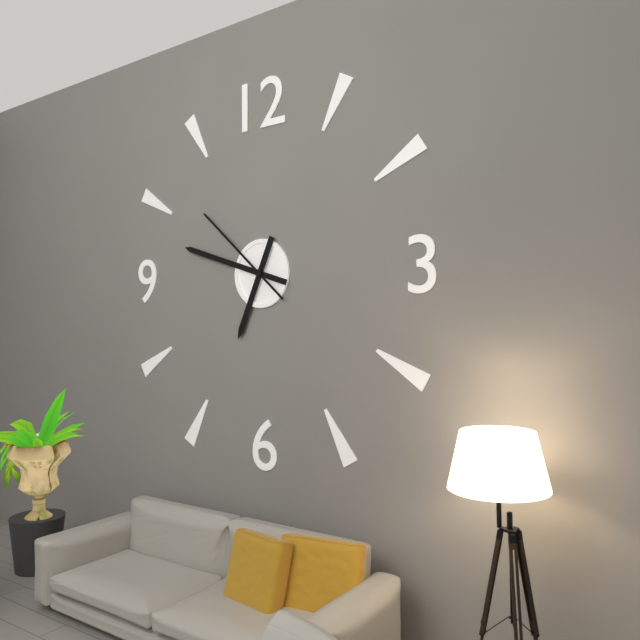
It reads **6:48:52**
